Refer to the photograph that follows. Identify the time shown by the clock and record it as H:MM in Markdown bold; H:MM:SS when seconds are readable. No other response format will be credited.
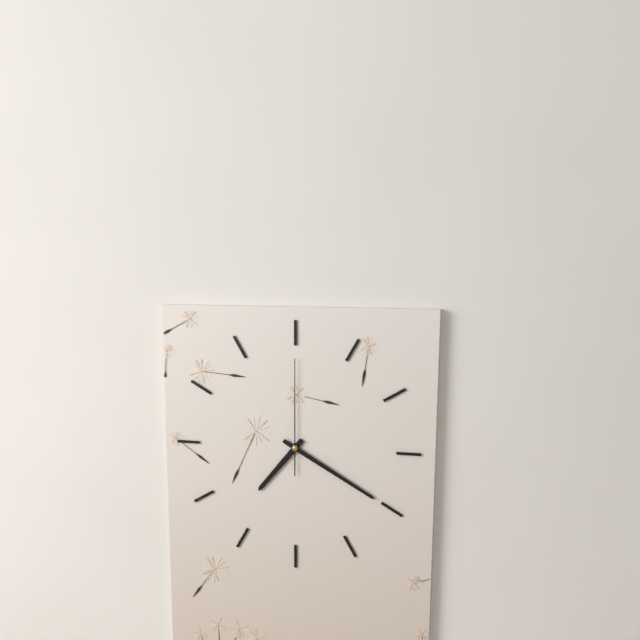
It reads **7:20:00**
